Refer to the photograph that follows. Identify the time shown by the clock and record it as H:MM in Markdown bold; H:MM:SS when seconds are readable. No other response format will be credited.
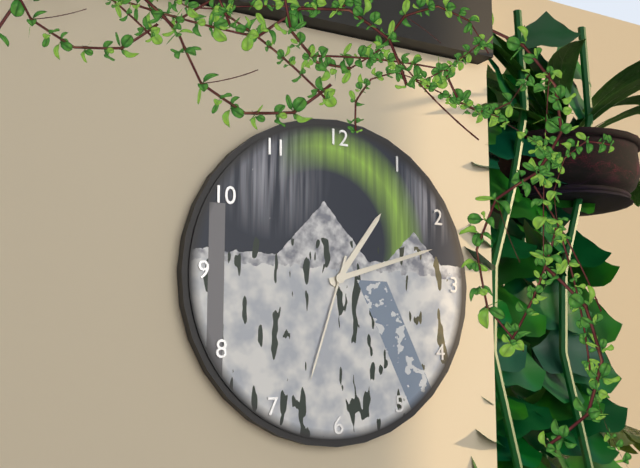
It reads **1:12:33**
